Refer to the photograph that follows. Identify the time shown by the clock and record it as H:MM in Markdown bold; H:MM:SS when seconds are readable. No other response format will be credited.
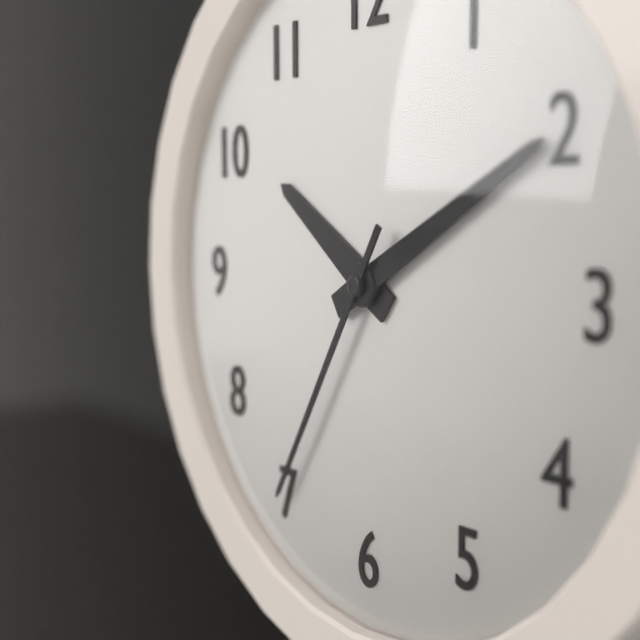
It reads **10:10:35**
